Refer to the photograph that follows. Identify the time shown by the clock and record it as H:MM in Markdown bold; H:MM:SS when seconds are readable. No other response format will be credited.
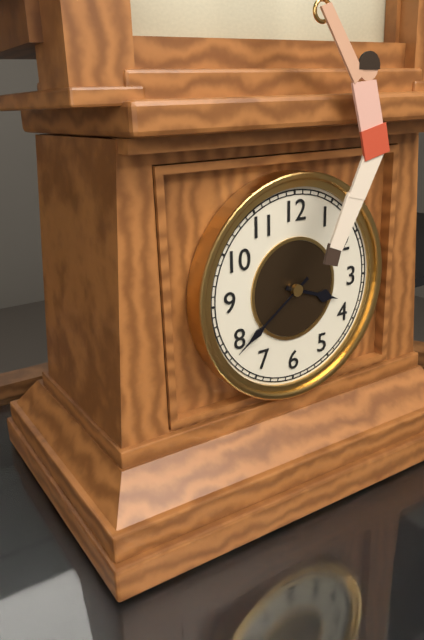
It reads **3:39**
